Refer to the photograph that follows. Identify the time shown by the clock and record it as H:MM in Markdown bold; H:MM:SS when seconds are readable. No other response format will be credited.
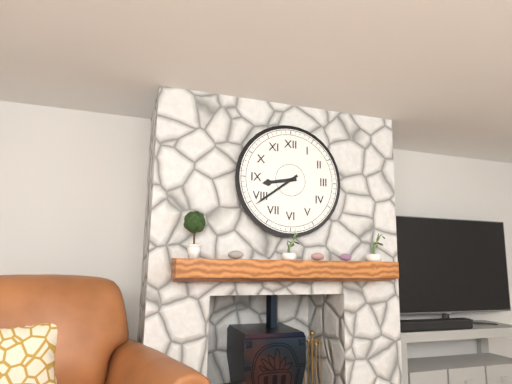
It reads **8:39**
